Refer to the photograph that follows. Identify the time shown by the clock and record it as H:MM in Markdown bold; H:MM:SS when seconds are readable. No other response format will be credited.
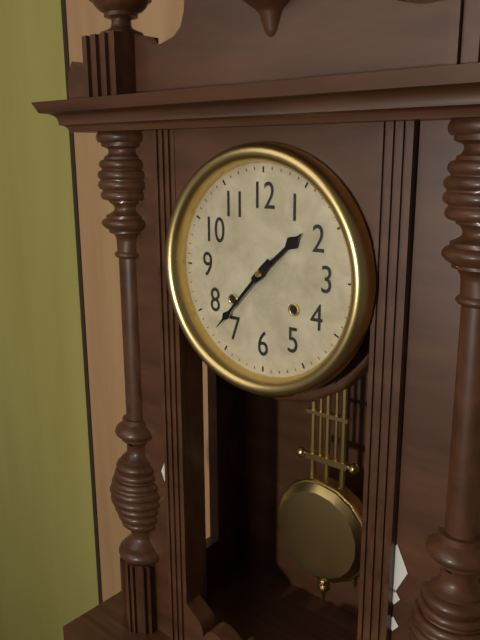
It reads **1:37**
